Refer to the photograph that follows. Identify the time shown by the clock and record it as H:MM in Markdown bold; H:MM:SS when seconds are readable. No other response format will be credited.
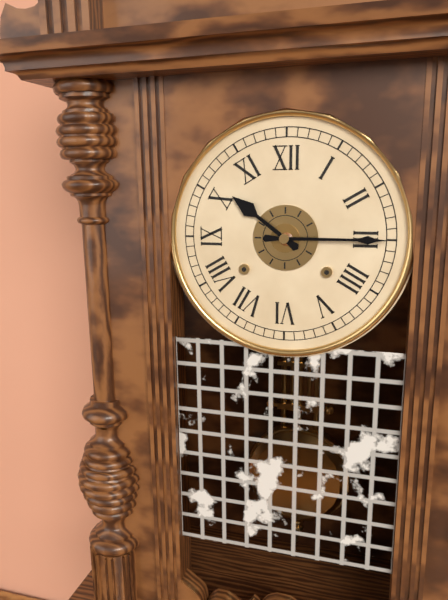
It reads **10:15**
